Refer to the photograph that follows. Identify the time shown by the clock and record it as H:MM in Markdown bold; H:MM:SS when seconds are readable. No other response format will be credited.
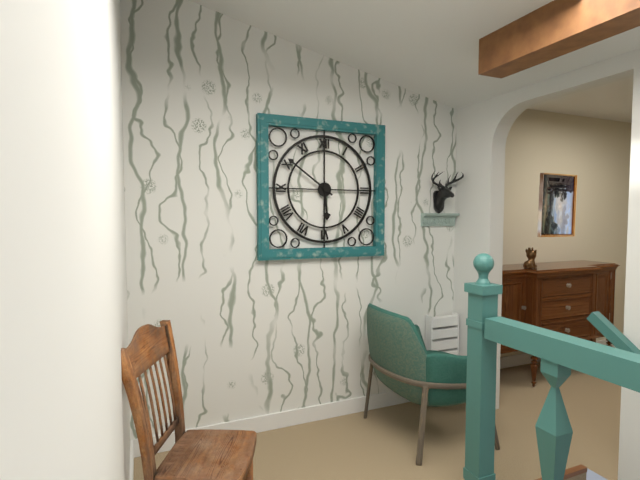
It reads **5:51**
